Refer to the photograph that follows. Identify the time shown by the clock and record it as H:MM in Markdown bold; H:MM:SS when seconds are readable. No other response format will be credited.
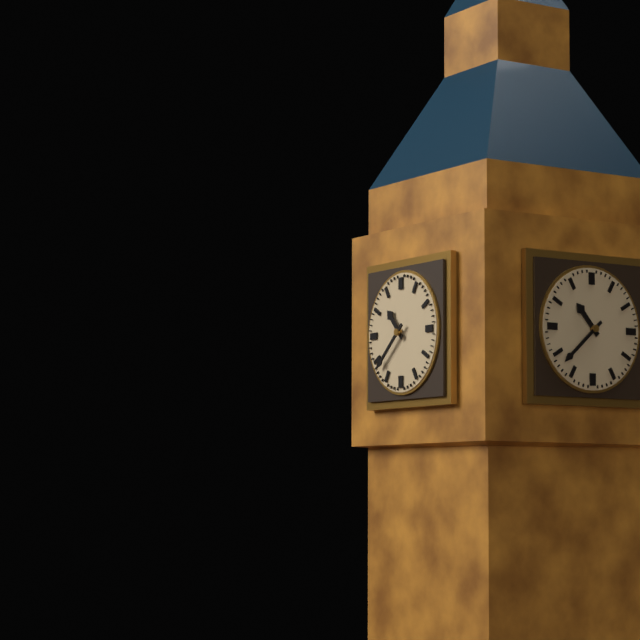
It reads **10:38**
